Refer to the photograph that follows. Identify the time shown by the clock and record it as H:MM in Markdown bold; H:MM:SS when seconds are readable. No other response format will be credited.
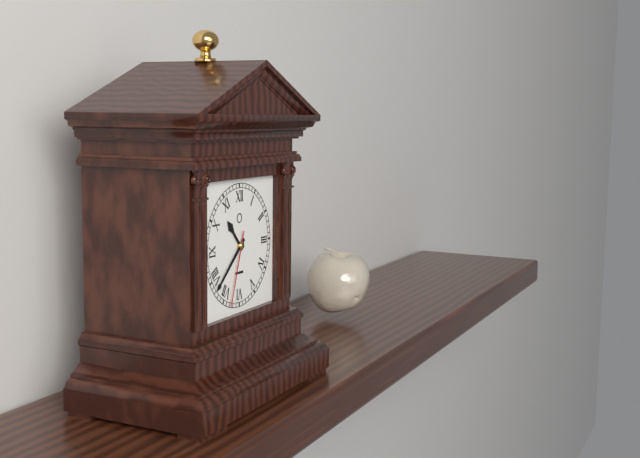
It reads **10:38:33**
